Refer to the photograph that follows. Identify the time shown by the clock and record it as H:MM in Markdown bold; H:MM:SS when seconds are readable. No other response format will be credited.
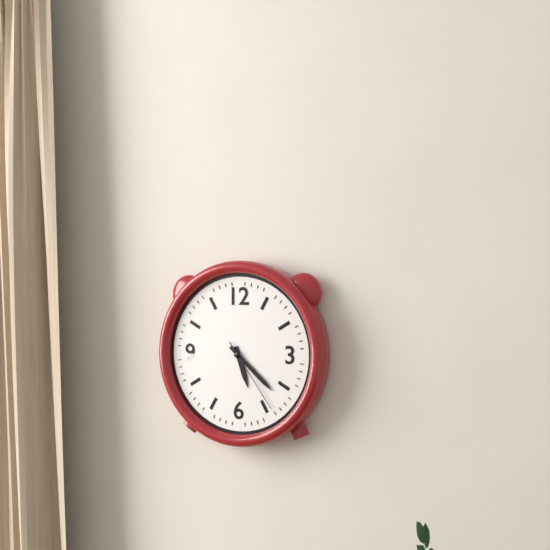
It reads **5:22:24**
